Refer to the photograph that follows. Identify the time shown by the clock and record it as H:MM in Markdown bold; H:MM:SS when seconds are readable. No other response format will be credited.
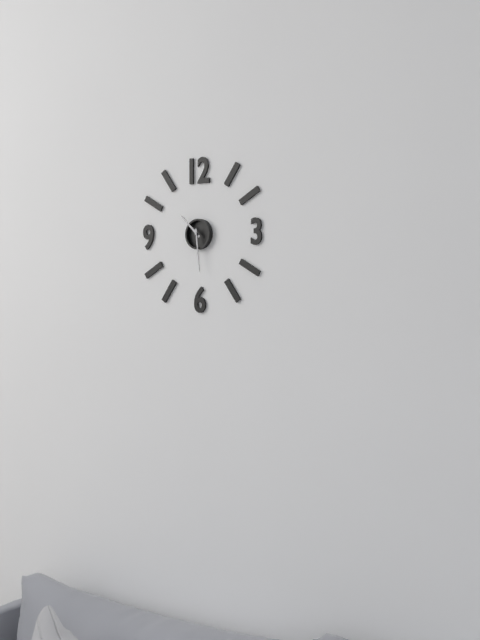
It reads **10:29**
